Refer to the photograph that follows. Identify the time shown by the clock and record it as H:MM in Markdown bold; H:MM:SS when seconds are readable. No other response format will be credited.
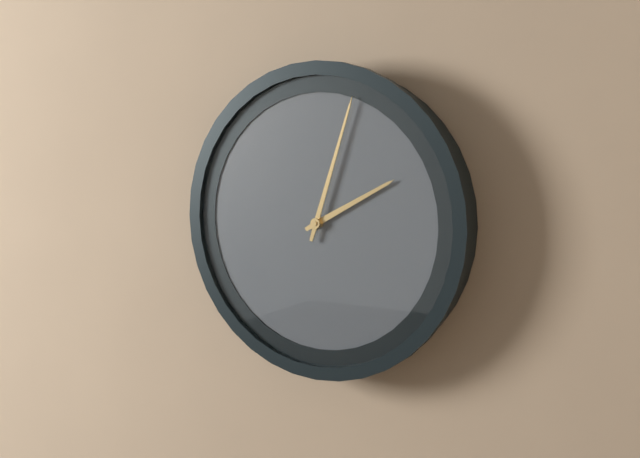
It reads **2:03**
